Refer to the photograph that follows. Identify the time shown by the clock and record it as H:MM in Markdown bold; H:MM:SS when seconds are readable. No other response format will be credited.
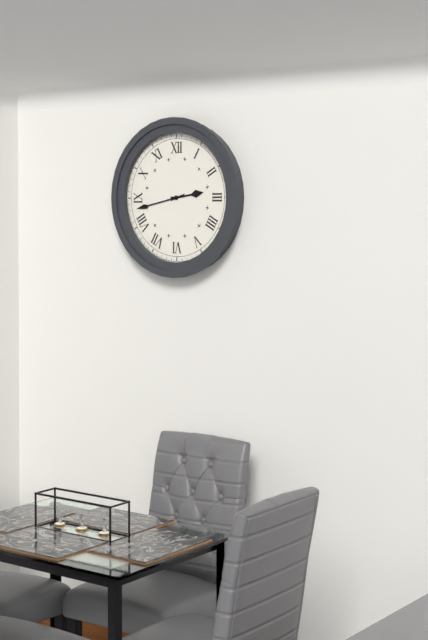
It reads **2:43**
